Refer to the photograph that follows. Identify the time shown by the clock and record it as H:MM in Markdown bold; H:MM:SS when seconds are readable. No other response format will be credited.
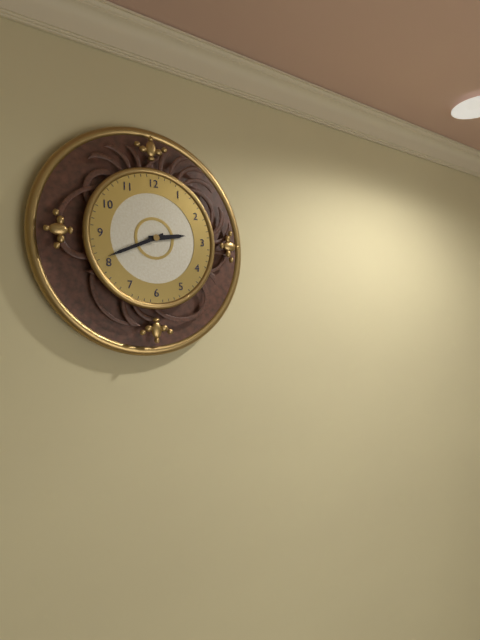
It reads **2:41**
